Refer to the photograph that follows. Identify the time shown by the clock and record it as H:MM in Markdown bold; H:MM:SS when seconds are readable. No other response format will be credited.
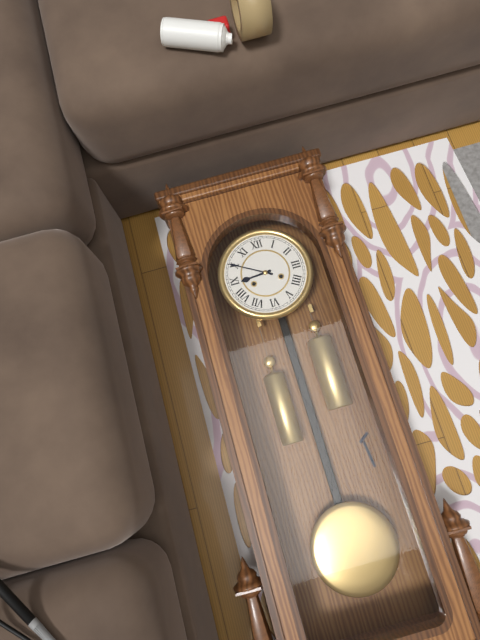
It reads **8:50**
